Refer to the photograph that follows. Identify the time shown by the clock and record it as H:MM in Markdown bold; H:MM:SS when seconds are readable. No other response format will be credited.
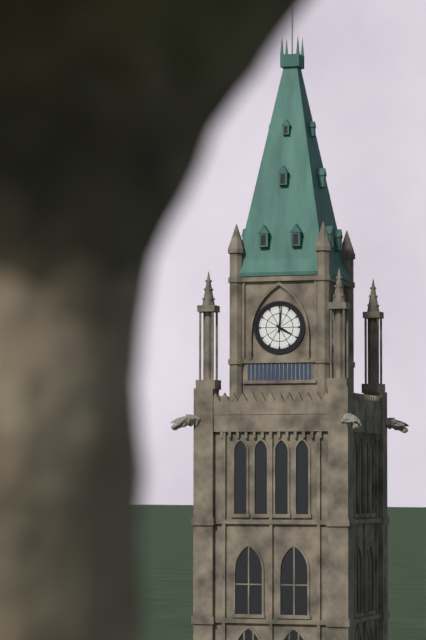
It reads **4:01**
